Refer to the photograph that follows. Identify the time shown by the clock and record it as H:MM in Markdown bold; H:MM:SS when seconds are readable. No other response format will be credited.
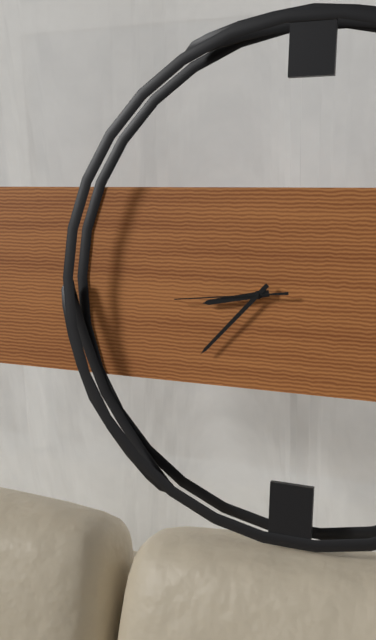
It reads **8:37:44**
